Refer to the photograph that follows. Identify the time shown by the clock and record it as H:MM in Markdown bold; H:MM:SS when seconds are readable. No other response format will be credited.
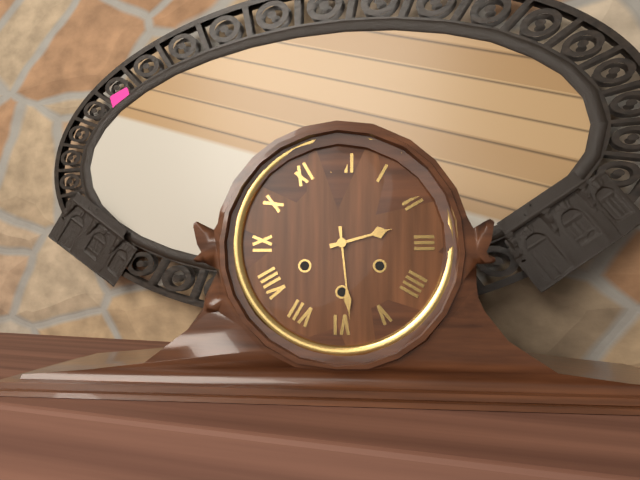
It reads **2:29**
